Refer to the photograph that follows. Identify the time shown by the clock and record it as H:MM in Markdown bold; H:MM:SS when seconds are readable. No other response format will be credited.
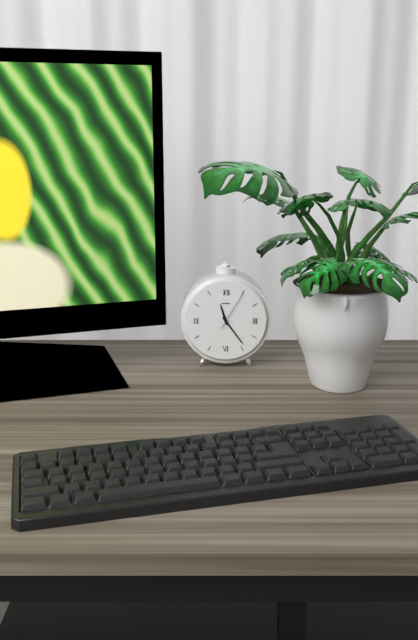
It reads **11:24**
